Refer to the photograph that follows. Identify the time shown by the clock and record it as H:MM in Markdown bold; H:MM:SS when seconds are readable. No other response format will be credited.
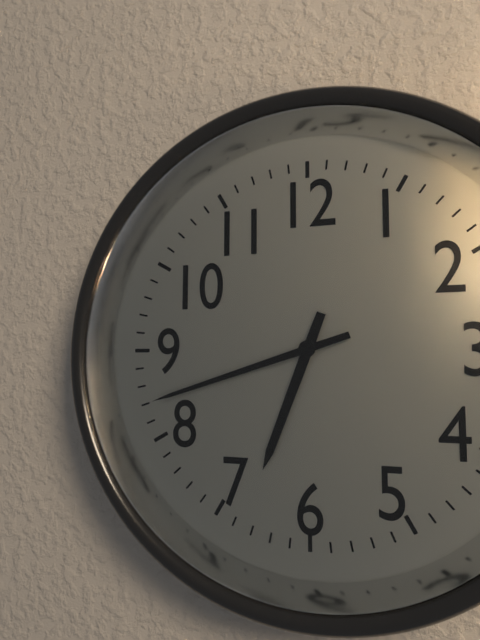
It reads **6:42**
